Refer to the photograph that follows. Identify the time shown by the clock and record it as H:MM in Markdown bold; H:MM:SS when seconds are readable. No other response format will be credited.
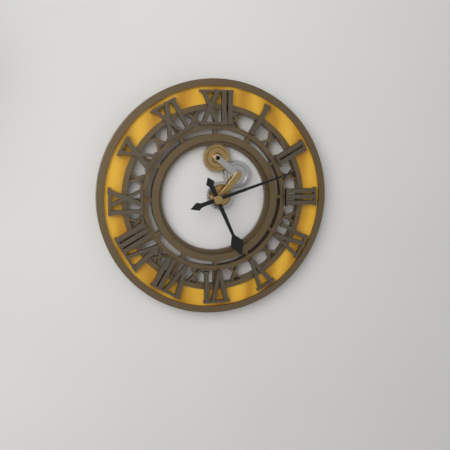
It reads **5:12**
